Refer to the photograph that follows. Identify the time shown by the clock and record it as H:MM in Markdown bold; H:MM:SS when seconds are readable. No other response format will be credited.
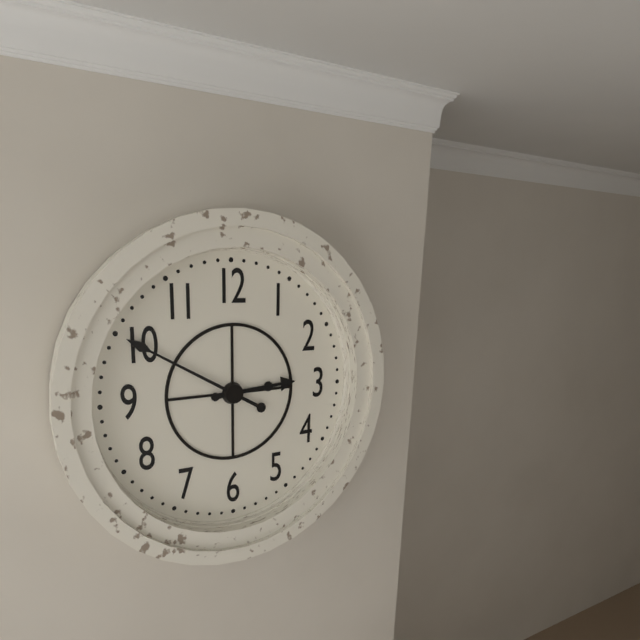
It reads **2:50**
